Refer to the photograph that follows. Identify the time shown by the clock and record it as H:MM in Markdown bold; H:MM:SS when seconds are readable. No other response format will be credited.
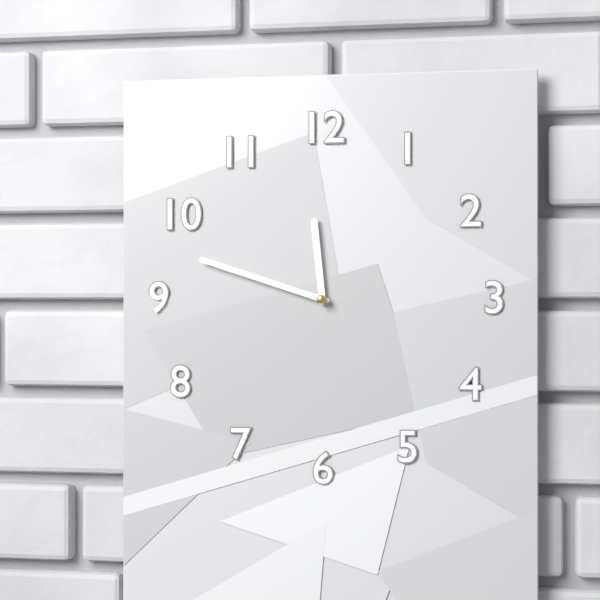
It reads **11:48**
